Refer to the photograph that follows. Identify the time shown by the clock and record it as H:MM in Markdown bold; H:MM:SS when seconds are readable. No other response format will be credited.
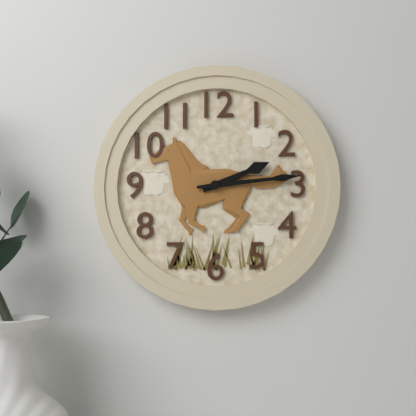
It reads **2:14**
